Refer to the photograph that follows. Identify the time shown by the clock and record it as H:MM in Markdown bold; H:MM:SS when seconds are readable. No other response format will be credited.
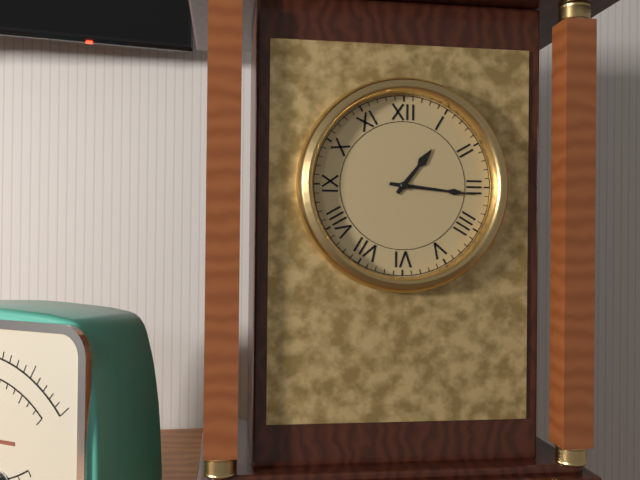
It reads **1:16**
